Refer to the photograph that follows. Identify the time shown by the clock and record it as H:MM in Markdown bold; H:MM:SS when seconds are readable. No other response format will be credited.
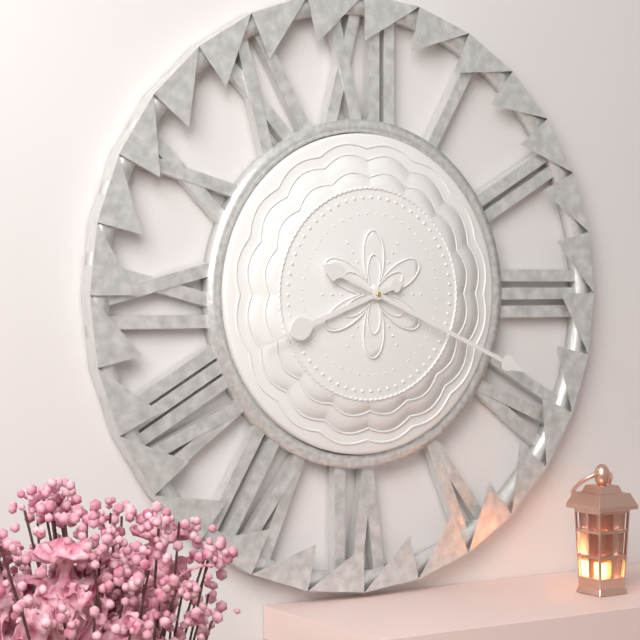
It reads **8:19**
